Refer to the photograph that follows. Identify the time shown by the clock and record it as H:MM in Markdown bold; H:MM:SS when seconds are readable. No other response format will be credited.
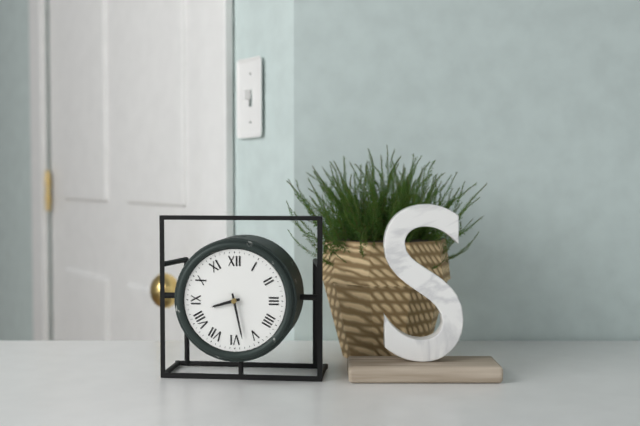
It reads **8:28**
